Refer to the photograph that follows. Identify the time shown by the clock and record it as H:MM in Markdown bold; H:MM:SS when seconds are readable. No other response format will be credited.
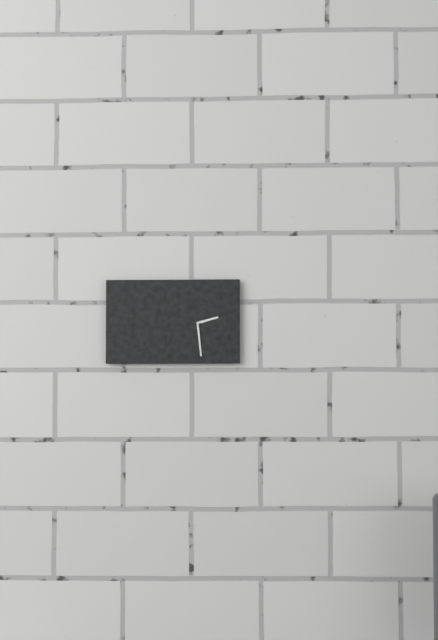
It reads **2:29**
